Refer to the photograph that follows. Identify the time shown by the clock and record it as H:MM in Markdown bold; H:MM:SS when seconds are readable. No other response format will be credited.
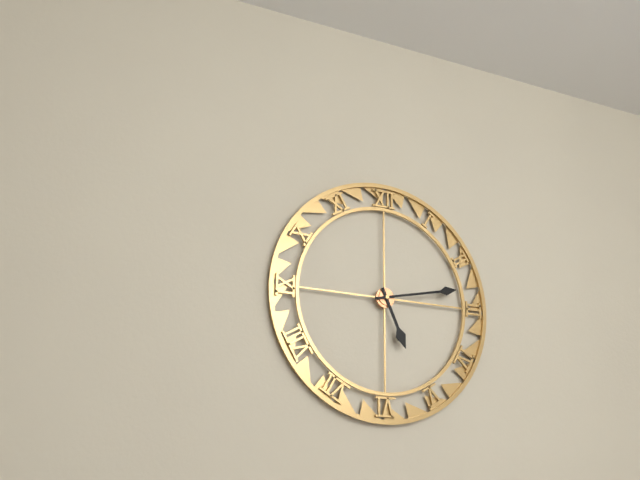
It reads **5:13**
